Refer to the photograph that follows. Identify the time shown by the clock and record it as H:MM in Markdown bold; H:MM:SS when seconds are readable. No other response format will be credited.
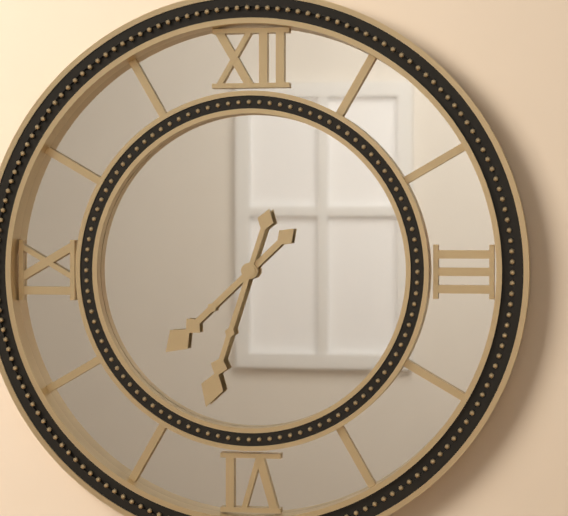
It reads **7:33**
